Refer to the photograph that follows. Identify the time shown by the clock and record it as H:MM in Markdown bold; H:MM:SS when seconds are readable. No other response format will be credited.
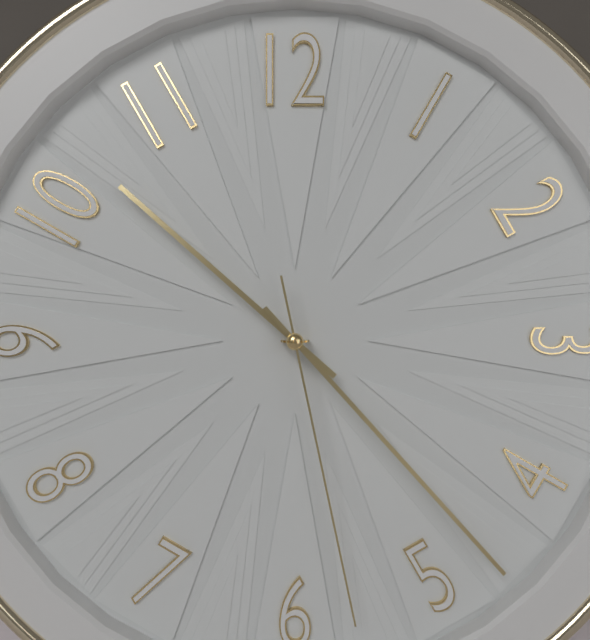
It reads **10:23:28**
